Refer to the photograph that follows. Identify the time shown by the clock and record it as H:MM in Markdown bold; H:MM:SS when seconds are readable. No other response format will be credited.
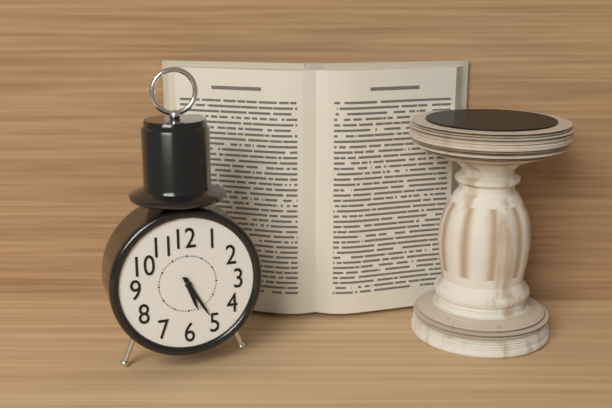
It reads **5:25**
